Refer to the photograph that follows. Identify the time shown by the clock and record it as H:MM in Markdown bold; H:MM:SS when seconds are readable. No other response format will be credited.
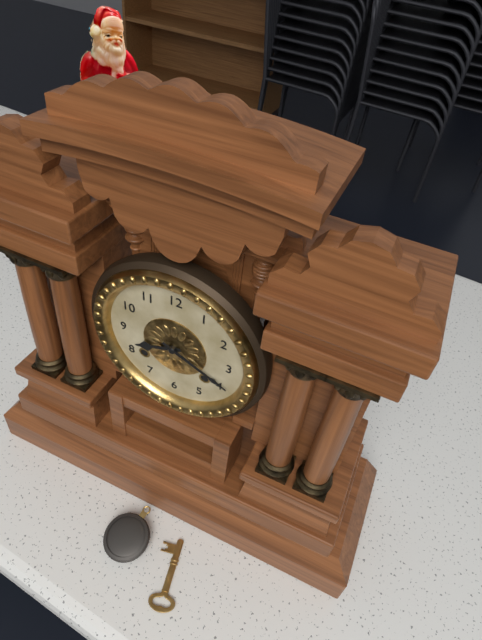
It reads **8:19**
